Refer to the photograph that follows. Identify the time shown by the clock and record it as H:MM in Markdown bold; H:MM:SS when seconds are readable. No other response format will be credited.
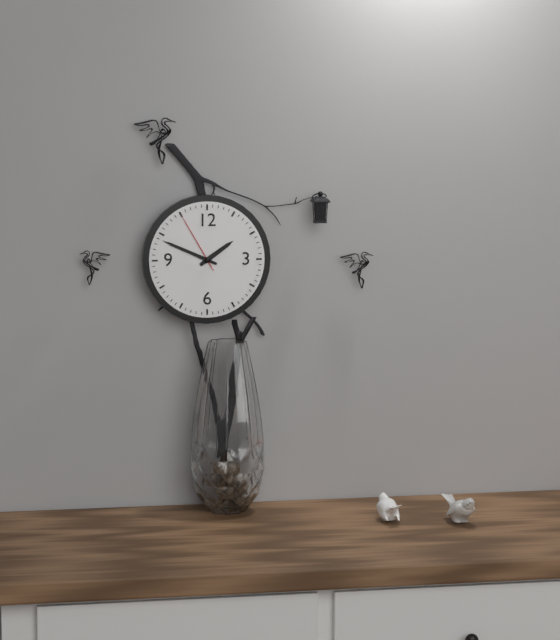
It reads **1:49:55**
